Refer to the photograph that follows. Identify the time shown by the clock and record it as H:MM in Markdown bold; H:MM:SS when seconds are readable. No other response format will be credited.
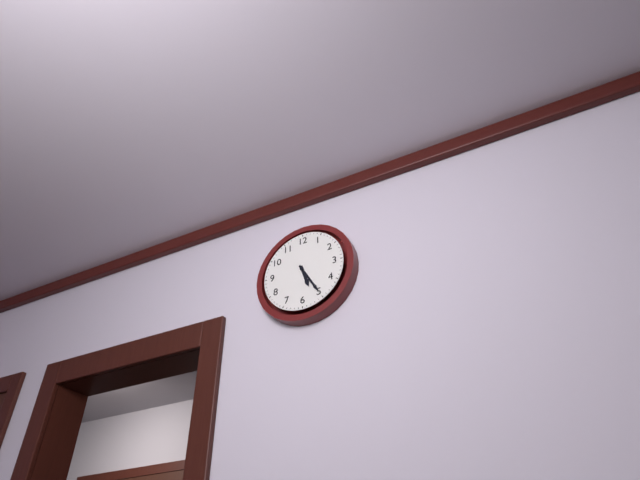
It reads **5:25**
